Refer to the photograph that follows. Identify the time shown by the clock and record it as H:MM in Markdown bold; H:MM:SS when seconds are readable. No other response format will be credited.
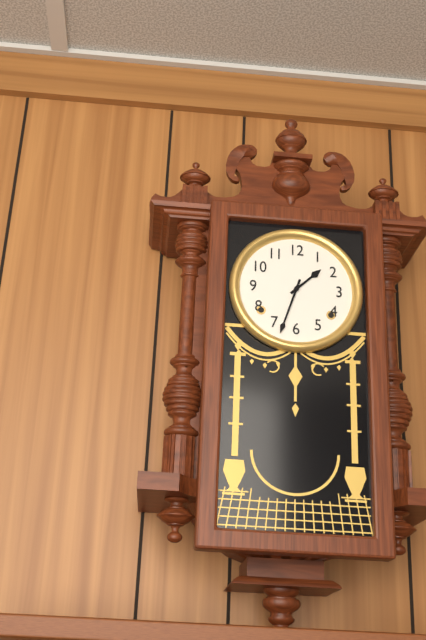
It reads **1:33**
